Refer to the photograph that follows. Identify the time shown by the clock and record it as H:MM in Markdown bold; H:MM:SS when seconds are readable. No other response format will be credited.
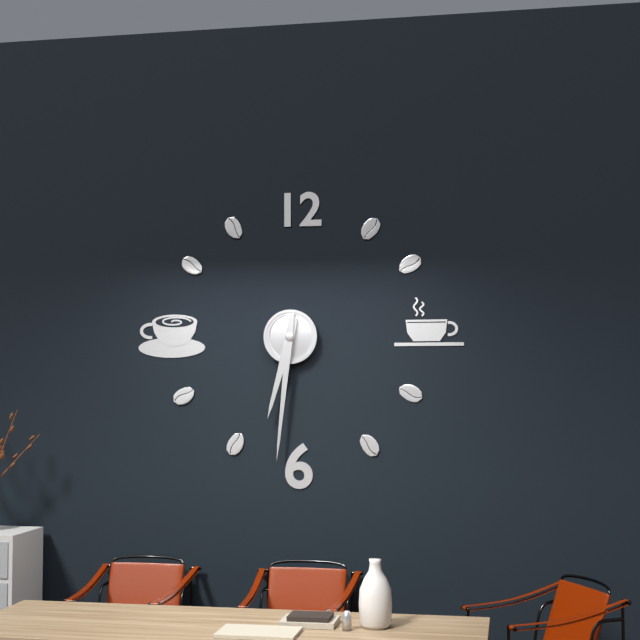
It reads **6:31**
